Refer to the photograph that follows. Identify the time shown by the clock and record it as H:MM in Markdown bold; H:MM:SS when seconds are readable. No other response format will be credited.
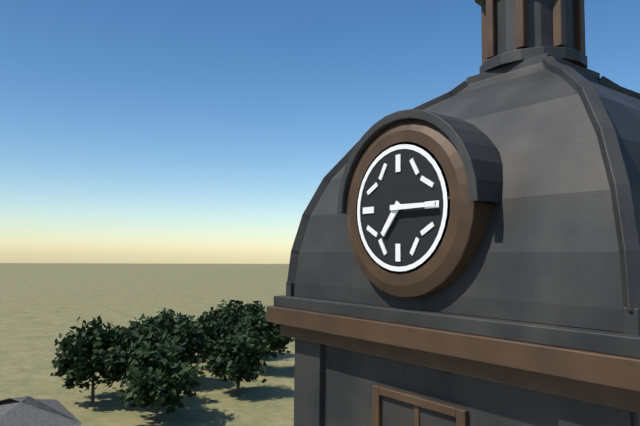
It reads **7:15**
